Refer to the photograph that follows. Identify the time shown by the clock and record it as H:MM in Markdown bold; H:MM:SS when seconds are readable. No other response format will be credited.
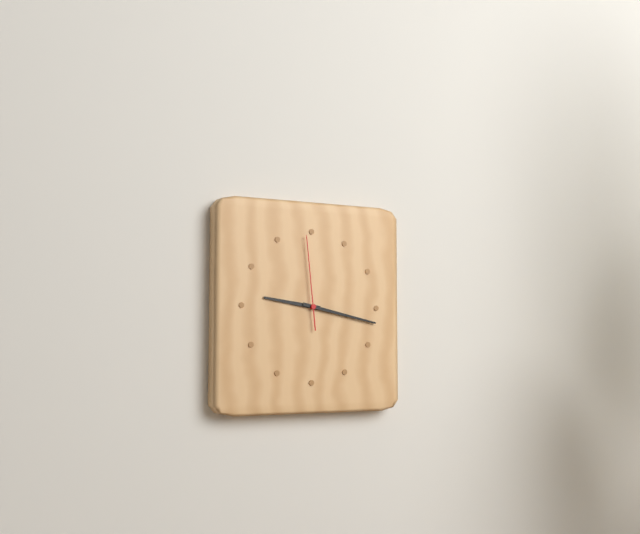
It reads **9:17:59**
